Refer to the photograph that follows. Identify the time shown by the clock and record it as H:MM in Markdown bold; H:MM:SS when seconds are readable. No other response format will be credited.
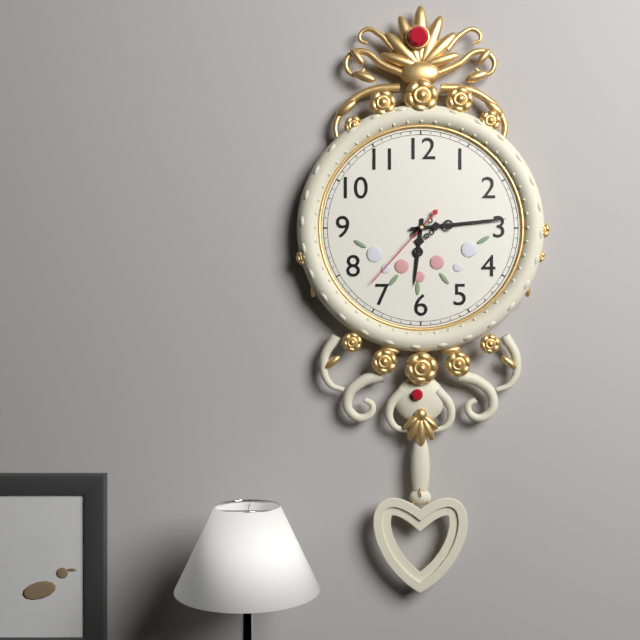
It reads **6:14:37**
